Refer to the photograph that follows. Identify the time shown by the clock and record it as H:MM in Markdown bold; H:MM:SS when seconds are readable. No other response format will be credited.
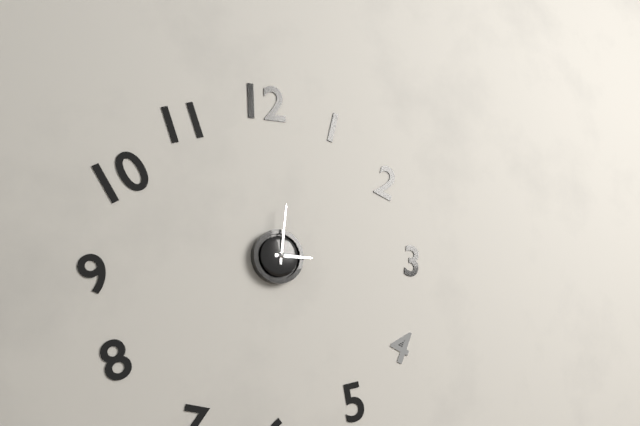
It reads **3:01**
